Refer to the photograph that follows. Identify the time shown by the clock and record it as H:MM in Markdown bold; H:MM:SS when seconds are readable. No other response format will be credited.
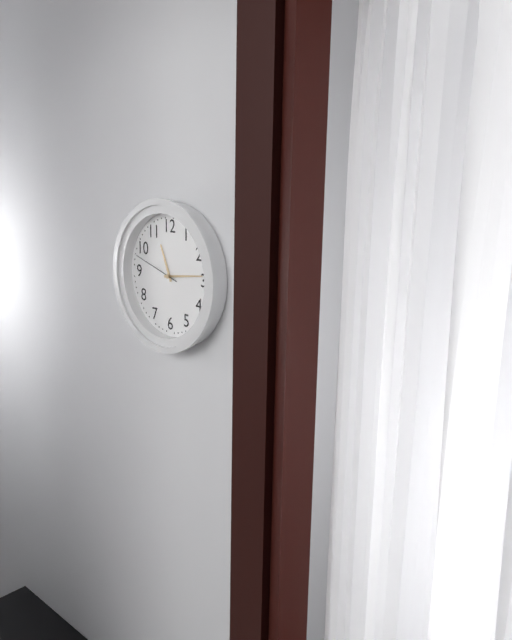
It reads **11:14**
